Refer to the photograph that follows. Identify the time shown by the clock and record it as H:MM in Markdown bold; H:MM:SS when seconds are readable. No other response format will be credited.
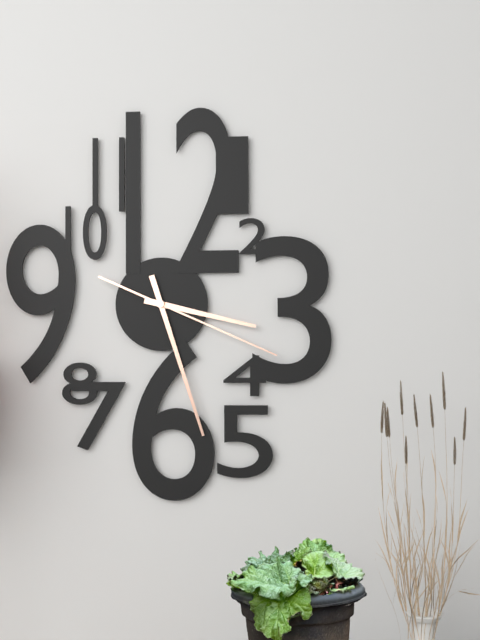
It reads **3:27:19**
